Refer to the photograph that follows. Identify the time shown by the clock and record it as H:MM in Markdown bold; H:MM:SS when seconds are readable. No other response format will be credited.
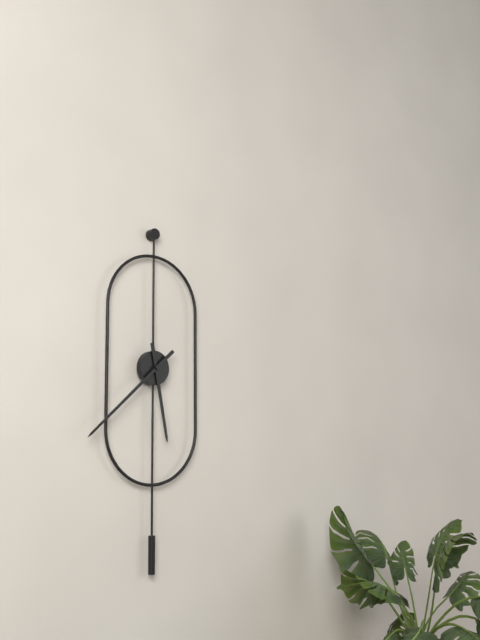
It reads **5:38**
